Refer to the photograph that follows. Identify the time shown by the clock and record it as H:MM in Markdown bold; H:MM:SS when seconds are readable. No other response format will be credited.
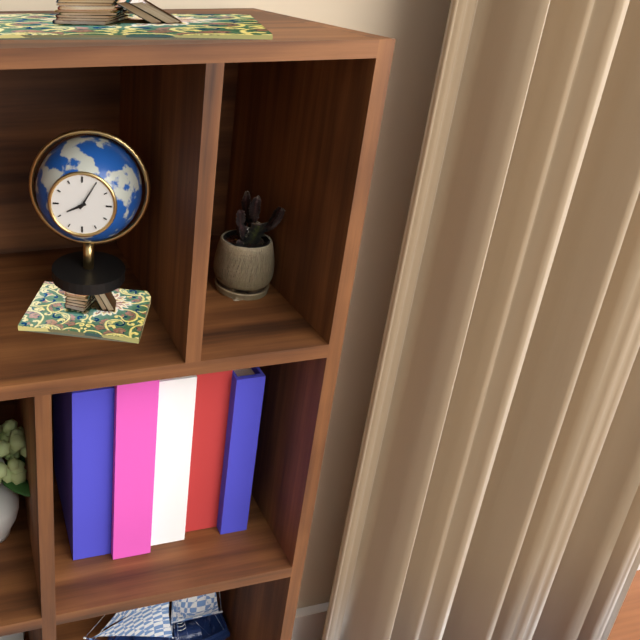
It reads **8:05**
